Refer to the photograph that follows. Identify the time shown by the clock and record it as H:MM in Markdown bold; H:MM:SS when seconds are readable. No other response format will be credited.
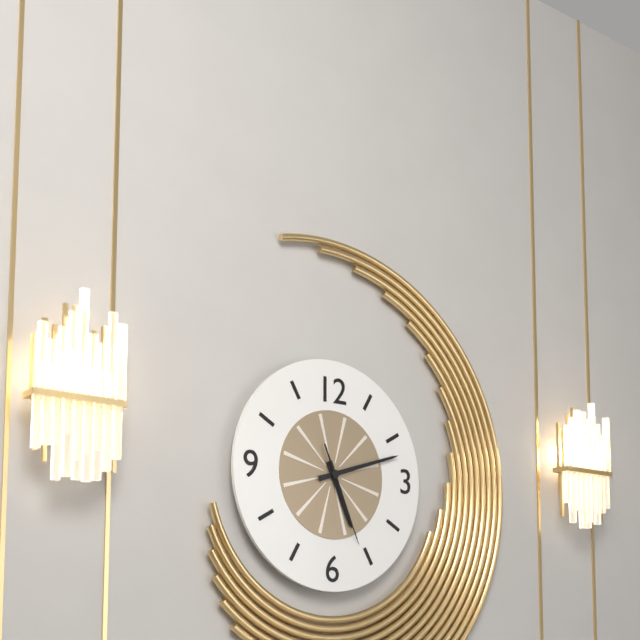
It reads **5:12:26**
